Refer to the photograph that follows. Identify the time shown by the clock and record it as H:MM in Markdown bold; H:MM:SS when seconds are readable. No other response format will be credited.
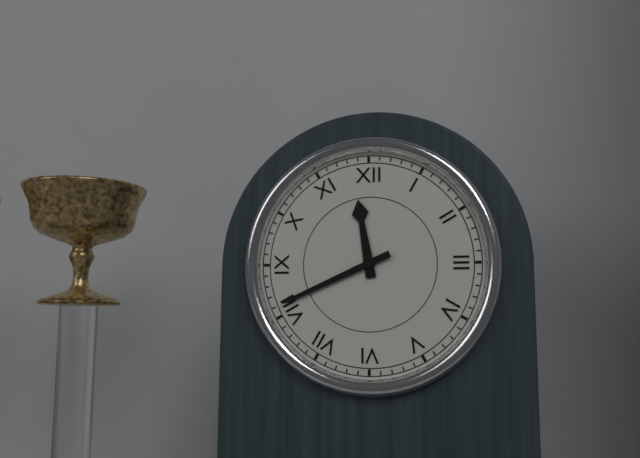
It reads **11:41**
